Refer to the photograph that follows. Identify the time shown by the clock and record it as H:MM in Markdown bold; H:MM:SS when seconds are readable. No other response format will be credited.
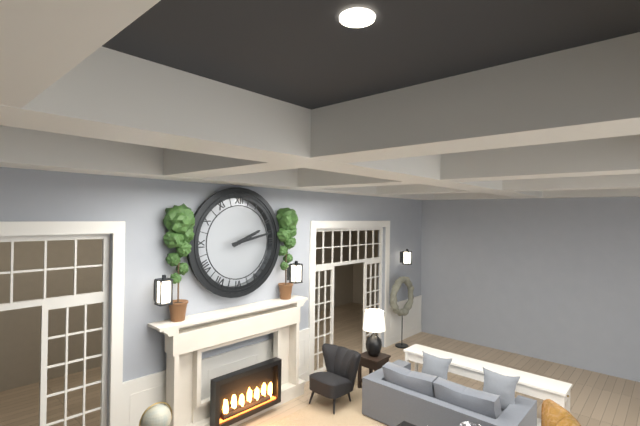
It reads **2:13**
